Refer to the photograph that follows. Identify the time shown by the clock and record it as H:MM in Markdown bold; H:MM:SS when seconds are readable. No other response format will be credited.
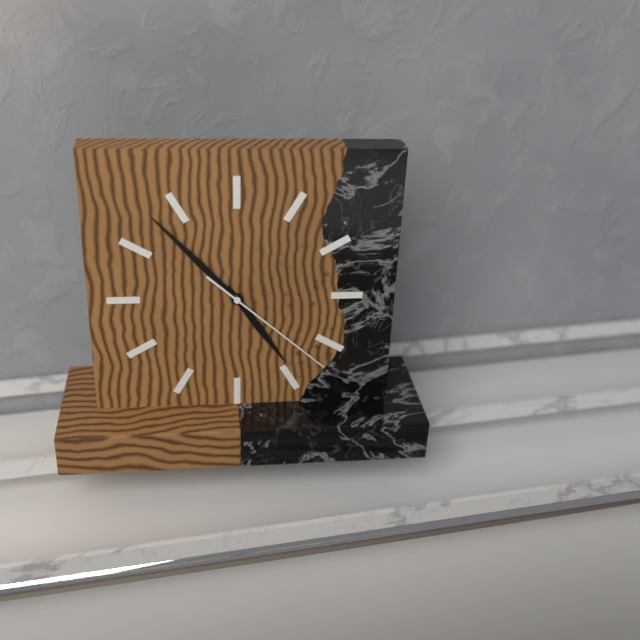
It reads **4:53:22**
